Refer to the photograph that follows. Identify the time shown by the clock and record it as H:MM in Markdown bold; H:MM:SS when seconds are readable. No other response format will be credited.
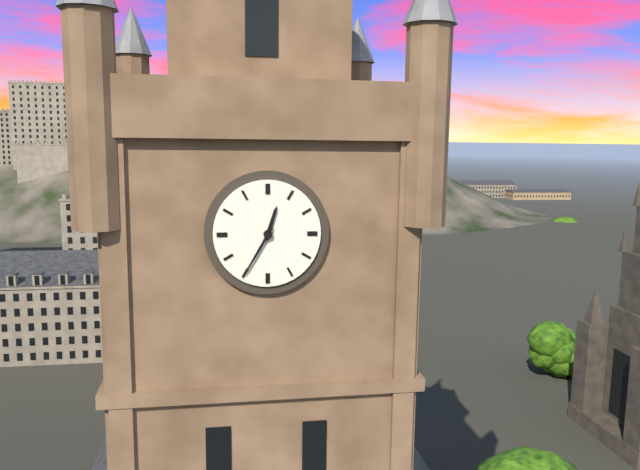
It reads **12:35**
